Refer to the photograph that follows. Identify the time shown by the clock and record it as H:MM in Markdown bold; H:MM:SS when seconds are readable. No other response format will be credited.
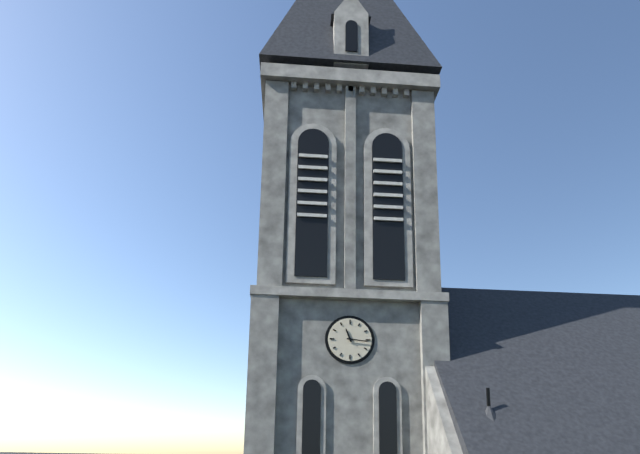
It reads **11:16**
